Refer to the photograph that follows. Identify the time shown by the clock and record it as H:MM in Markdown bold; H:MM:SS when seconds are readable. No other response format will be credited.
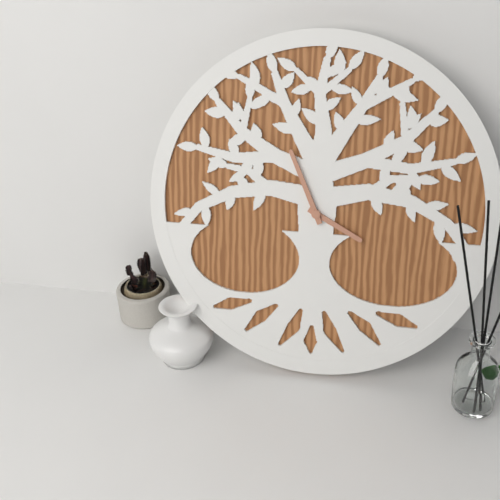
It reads **3:56**
